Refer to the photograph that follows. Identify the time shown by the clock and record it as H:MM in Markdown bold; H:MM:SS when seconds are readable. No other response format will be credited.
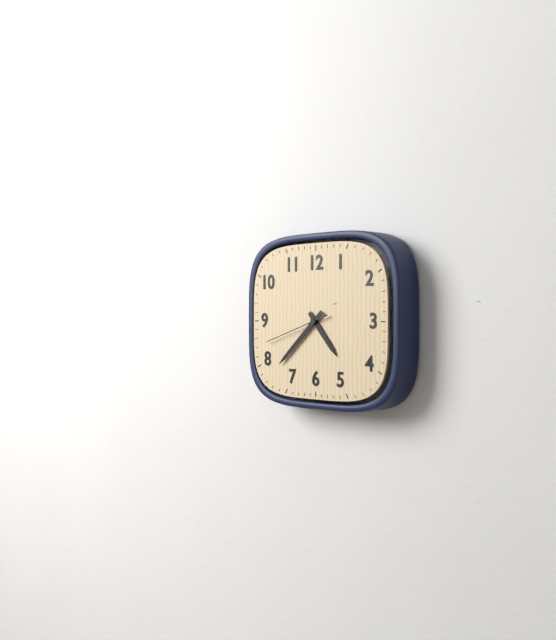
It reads **4:38:42**
